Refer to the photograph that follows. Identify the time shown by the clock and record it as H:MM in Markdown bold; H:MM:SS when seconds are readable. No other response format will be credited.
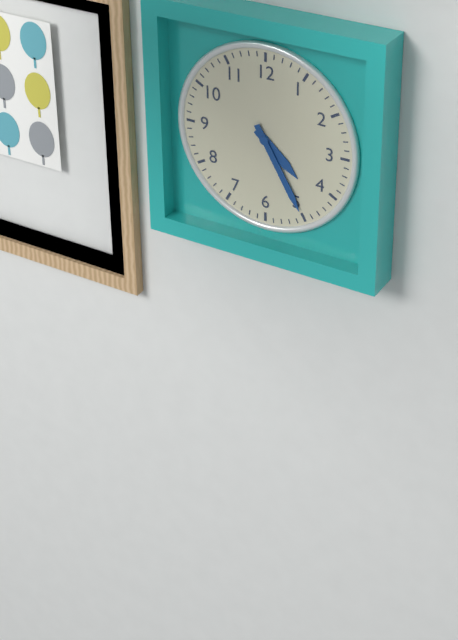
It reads **4:25**
